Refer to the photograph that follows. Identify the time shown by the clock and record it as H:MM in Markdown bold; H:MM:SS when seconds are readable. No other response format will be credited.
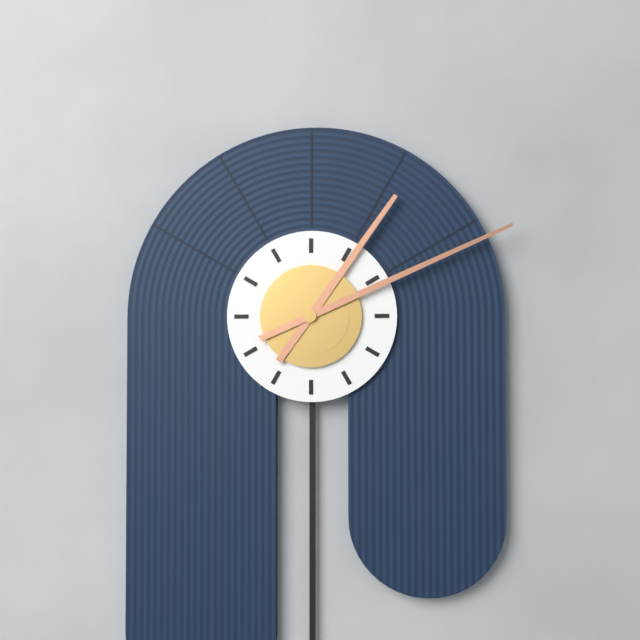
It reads **1:11**
